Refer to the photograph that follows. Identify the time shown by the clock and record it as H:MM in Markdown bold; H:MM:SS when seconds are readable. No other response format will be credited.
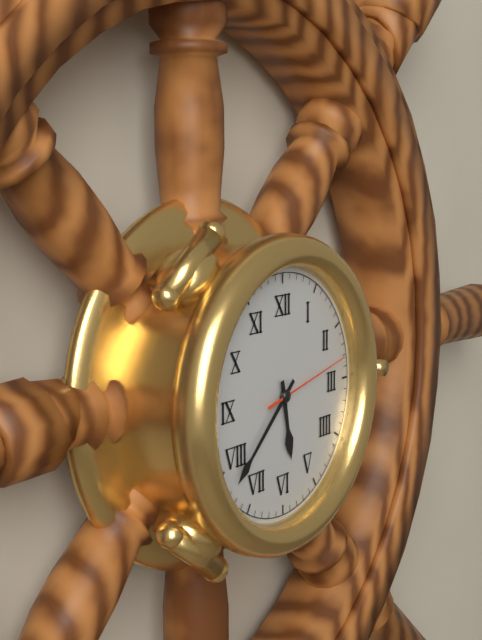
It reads **5:38:13**
